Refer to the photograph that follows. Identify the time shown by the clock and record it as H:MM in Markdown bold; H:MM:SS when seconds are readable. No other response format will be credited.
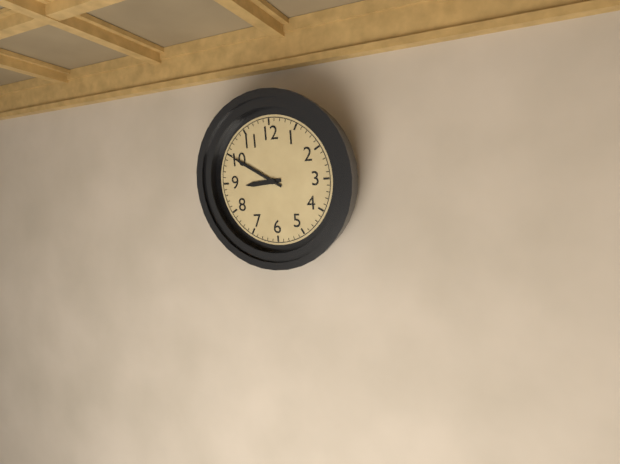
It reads **8:50**
